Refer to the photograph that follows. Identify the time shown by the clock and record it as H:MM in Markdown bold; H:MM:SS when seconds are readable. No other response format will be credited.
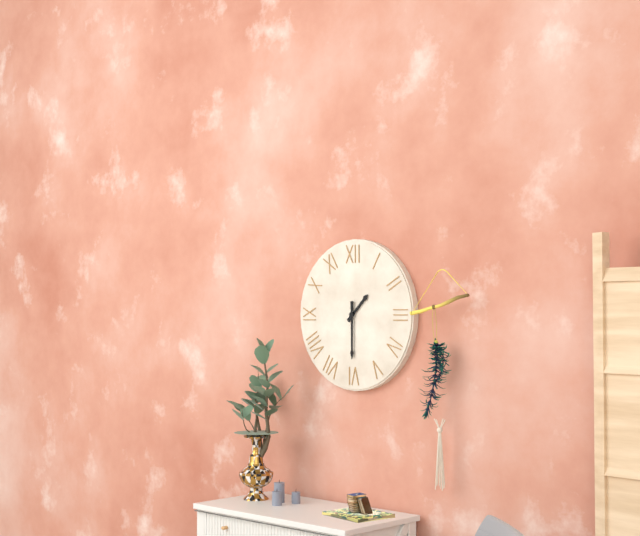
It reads **1:30**
